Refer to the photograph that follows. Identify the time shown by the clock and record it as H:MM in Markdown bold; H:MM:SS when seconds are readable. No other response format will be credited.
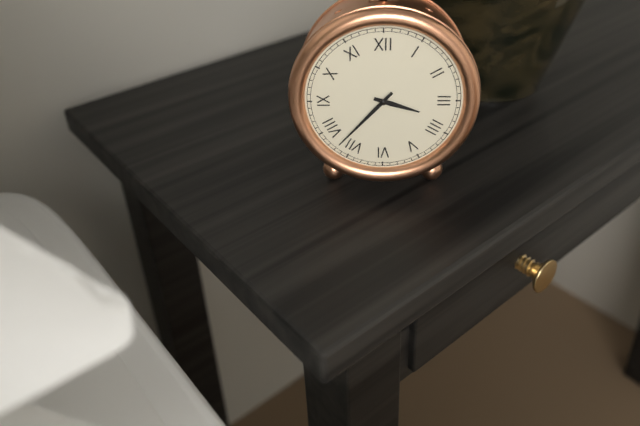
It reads **3:37**
